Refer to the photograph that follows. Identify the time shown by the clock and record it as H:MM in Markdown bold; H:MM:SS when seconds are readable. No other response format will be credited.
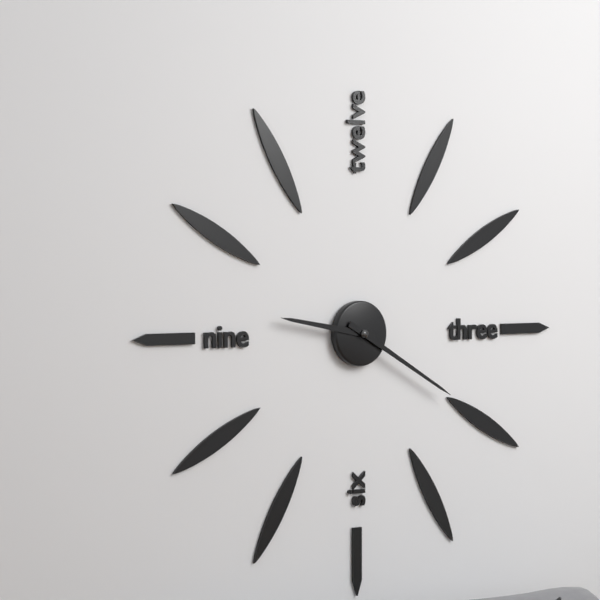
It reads **9:20**
